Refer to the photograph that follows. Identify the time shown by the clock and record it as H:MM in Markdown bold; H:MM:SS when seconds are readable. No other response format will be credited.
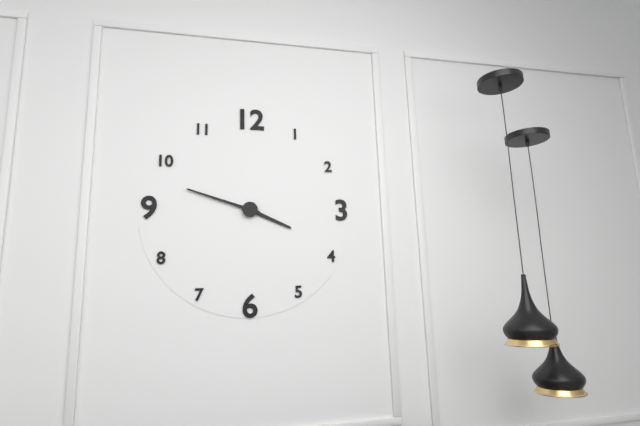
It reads **3:48**
